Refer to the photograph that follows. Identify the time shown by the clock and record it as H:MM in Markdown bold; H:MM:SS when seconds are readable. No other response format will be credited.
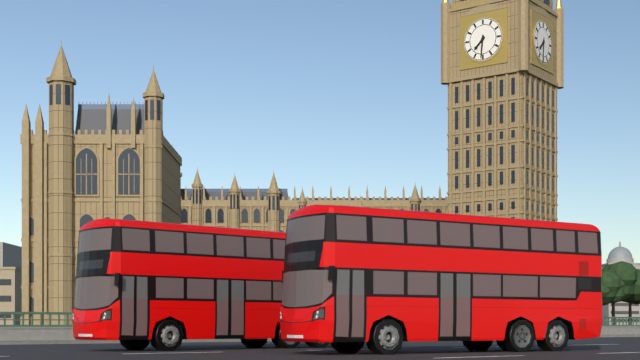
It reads **7:31**
